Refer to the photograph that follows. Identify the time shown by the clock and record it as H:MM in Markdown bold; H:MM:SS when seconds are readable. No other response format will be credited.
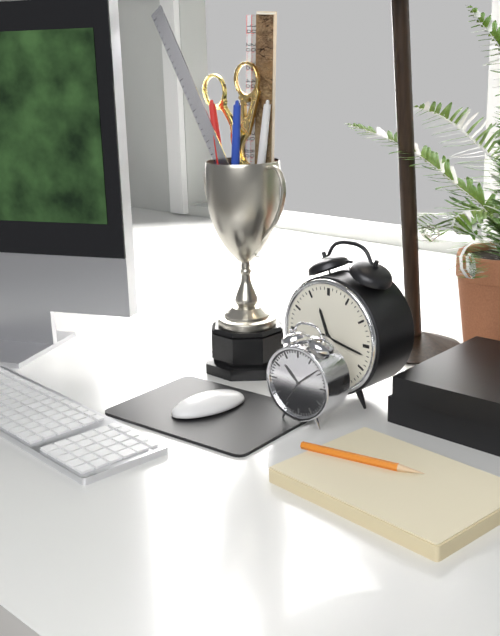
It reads **11:17**
